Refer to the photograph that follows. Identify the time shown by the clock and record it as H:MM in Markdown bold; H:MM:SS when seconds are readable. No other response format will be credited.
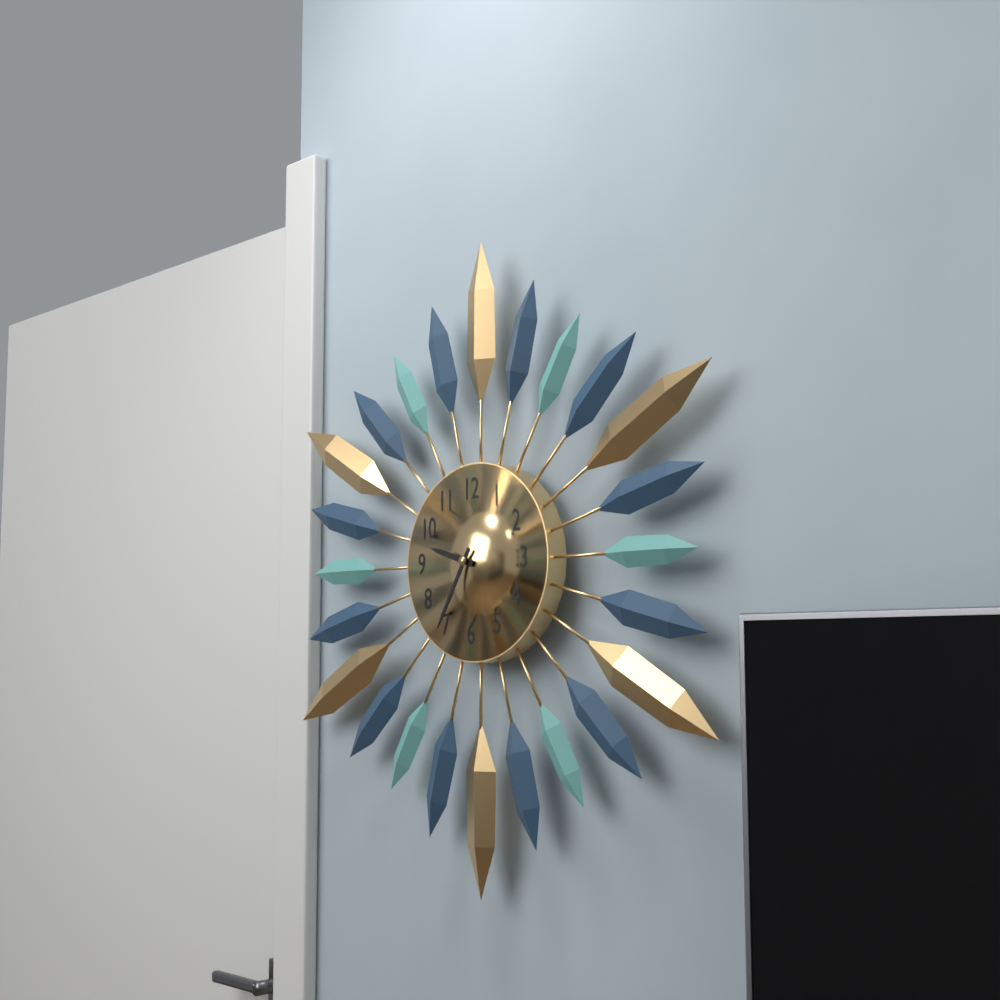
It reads **9:35**
